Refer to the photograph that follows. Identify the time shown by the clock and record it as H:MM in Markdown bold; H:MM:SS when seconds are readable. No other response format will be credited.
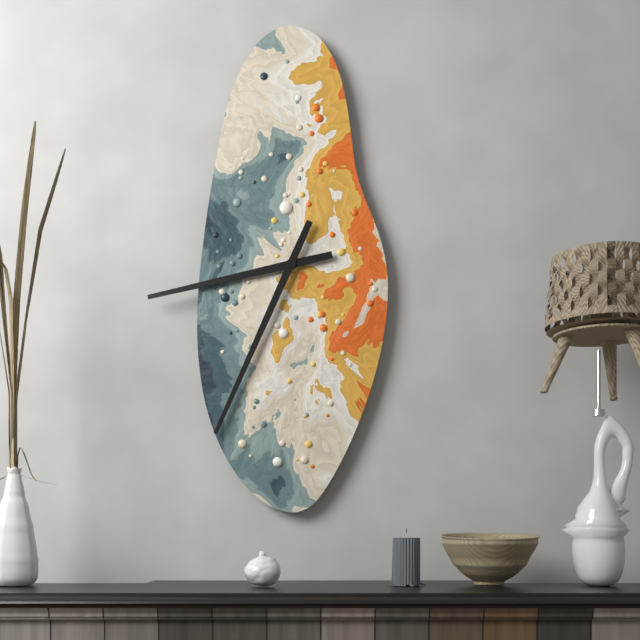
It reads **8:34**
